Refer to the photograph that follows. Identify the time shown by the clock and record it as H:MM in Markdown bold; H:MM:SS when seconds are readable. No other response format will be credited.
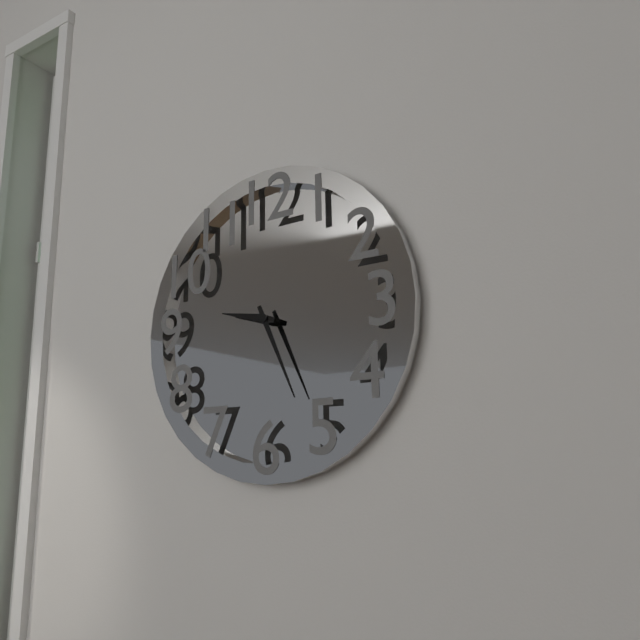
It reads **9:26**
